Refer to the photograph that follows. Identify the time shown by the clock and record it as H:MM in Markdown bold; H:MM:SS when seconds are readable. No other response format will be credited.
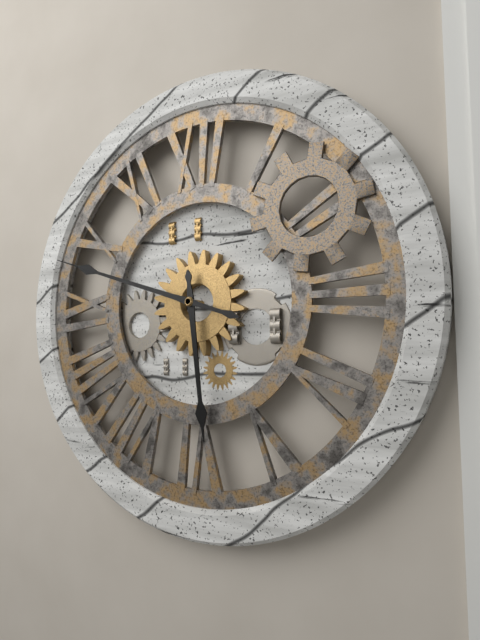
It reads **5:48**
